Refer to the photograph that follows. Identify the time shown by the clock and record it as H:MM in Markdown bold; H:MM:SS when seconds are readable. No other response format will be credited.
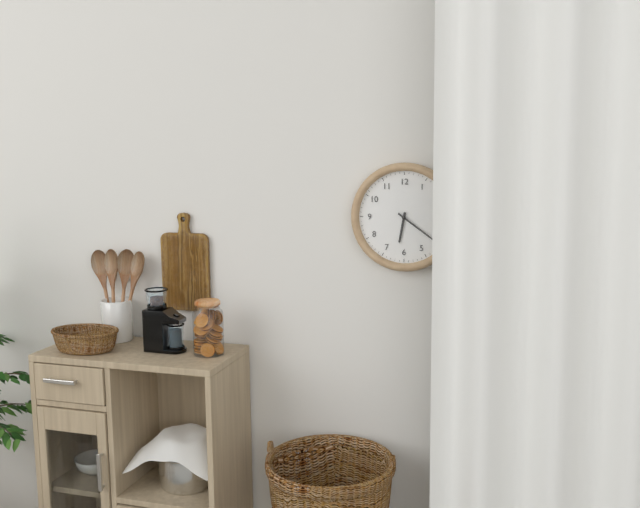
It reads **6:21**
